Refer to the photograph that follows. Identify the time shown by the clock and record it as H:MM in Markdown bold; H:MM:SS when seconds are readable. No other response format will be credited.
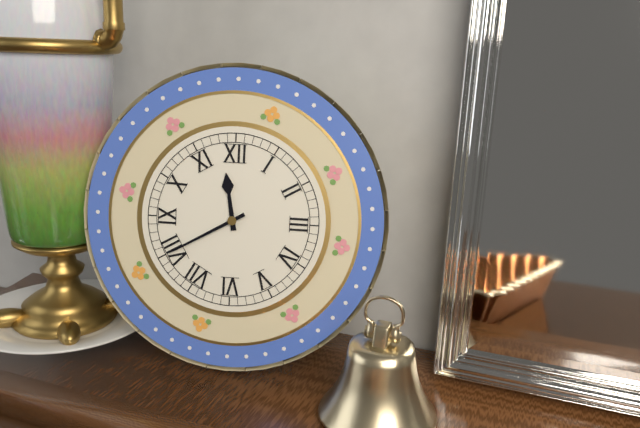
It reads **11:40**
